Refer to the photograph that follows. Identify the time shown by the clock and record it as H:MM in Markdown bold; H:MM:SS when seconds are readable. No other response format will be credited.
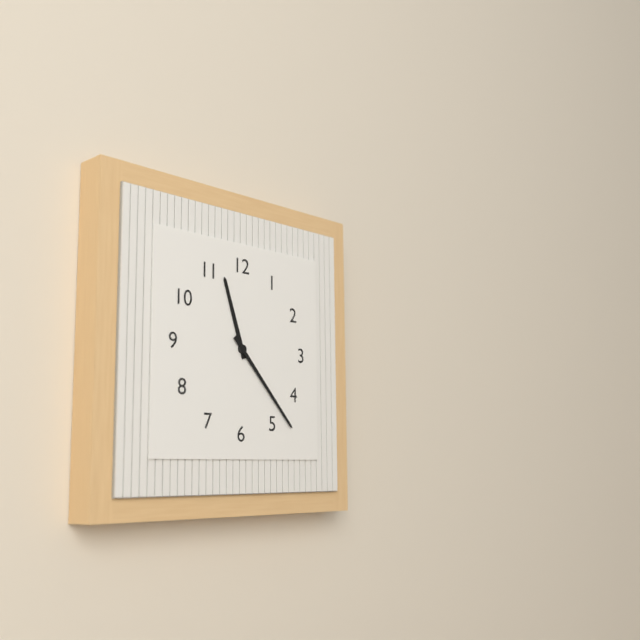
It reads **11:23**
